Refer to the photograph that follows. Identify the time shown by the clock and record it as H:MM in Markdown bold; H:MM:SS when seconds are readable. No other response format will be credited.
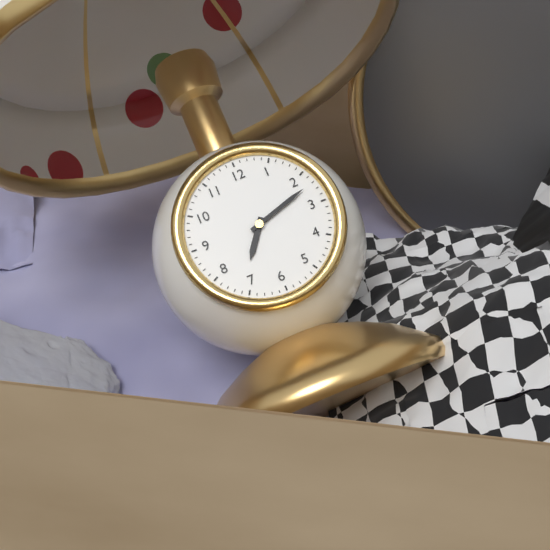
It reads **7:12**
